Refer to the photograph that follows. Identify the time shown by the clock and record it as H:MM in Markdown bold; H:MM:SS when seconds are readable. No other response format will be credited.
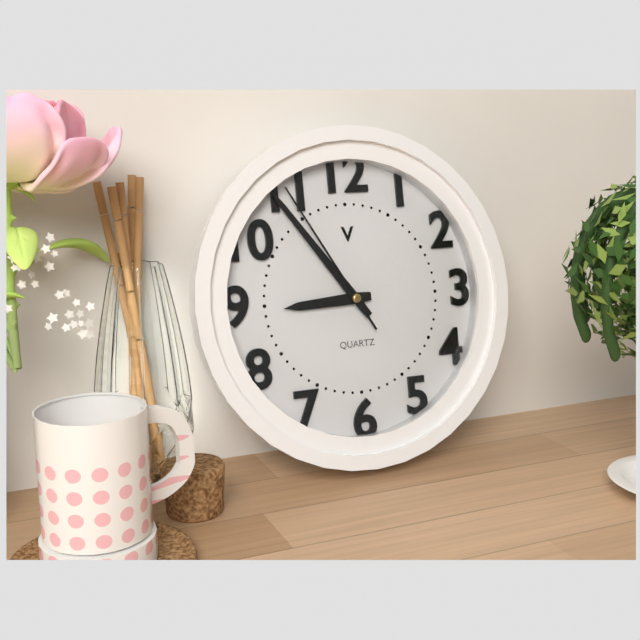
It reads **8:54:55**
